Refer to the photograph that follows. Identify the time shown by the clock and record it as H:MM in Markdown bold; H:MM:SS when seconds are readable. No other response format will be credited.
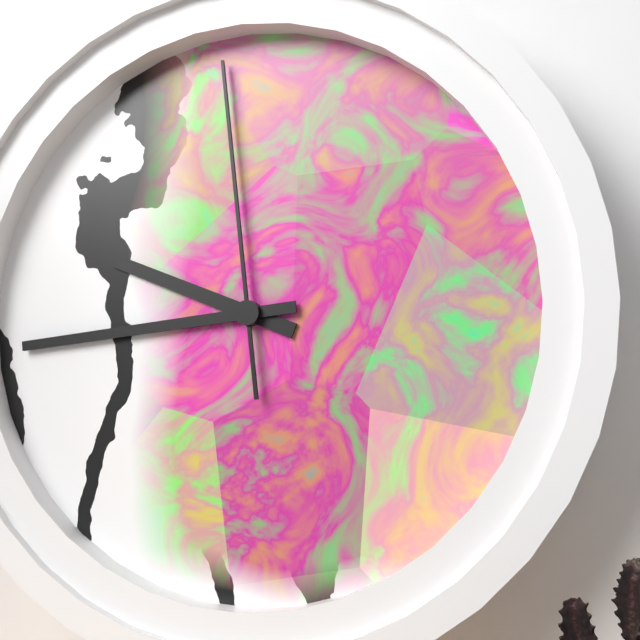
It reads **9:44:59**
